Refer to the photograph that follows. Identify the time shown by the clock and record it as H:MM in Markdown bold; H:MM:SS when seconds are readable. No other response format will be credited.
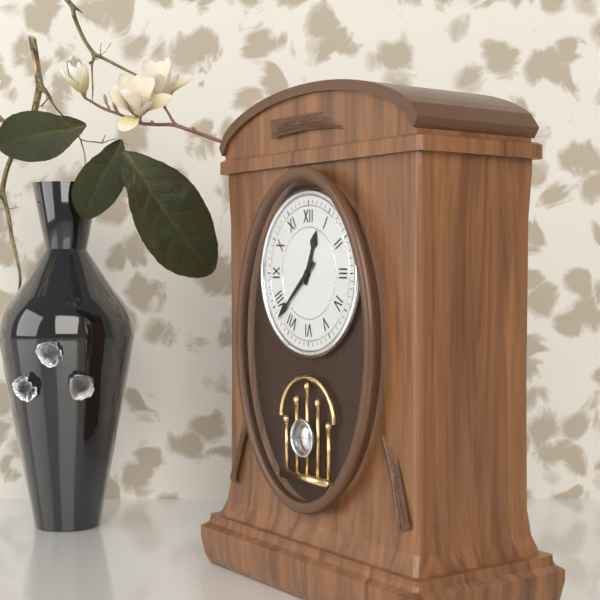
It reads **12:38**
